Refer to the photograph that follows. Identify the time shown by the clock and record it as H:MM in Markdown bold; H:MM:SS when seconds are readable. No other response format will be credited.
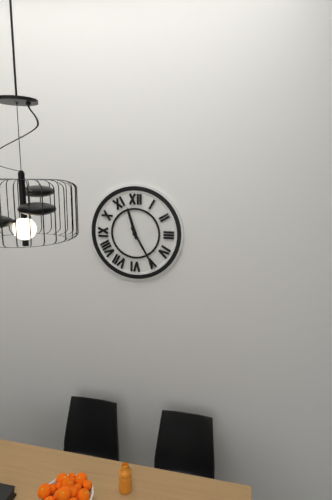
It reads **11:25**
